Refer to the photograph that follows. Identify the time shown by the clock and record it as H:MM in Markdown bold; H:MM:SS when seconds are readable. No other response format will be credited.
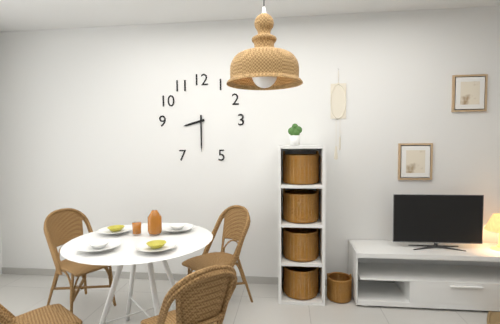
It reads **8:30**
